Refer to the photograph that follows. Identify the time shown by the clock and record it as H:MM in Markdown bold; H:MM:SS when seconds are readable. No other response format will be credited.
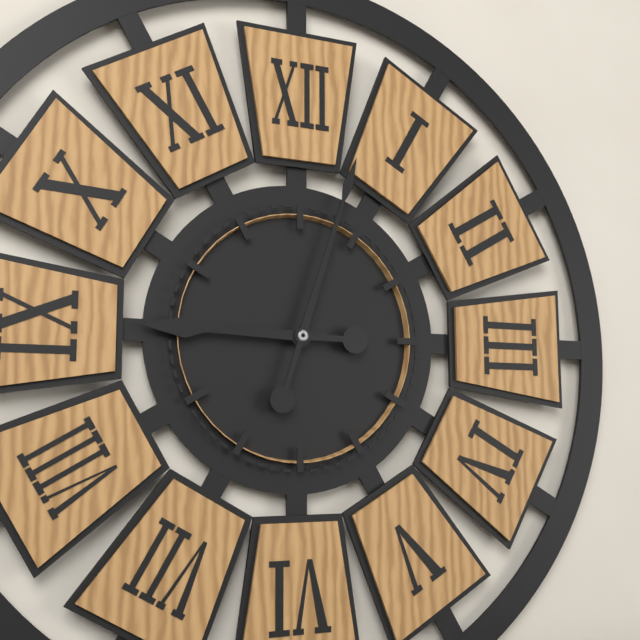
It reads **9:03**
